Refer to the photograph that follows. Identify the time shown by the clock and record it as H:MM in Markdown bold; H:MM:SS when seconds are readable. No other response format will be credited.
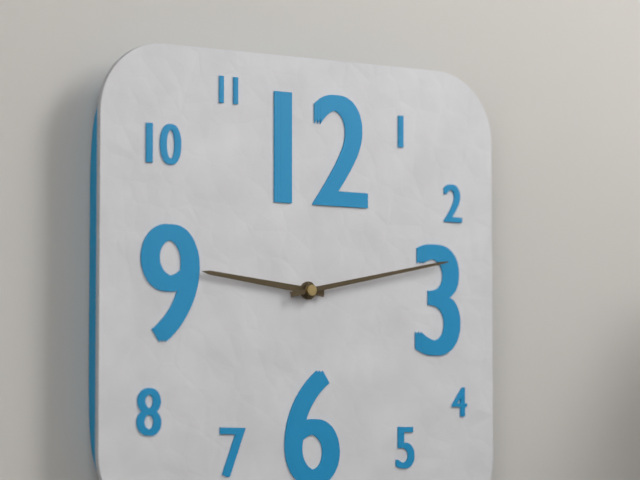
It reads **9:13**
